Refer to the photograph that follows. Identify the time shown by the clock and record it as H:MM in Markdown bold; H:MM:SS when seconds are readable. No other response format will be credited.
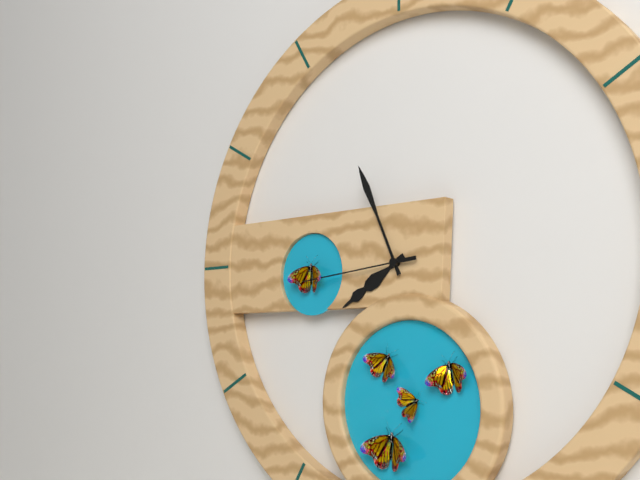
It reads **7:56:44**
